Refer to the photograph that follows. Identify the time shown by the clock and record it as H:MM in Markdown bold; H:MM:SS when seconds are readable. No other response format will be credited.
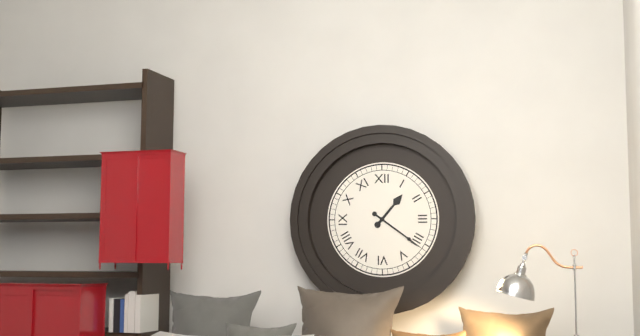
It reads **1:21**
